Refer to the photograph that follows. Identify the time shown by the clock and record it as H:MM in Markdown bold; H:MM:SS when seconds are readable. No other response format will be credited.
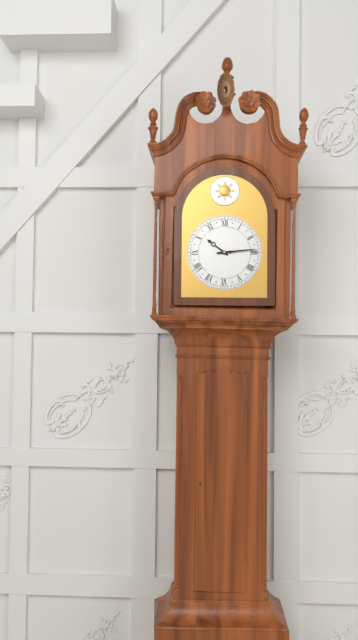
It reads **10:14**
